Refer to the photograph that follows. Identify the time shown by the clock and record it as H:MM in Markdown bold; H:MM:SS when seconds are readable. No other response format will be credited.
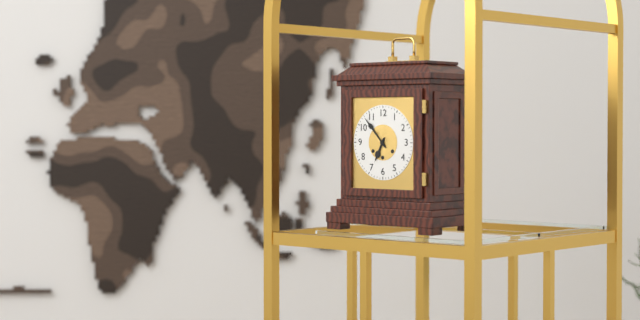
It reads **6:53**
